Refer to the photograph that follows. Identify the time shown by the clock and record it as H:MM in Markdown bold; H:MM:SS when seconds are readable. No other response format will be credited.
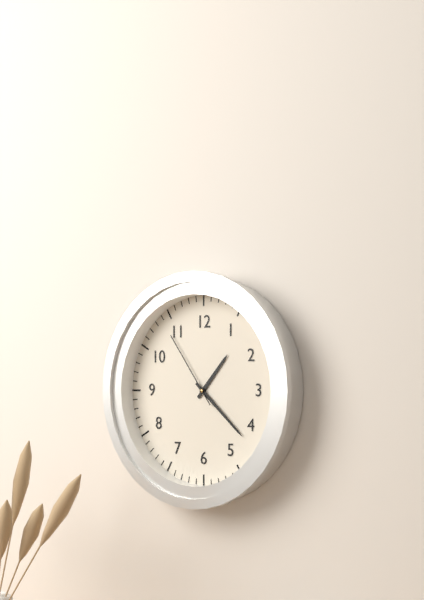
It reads **1:22:54**
